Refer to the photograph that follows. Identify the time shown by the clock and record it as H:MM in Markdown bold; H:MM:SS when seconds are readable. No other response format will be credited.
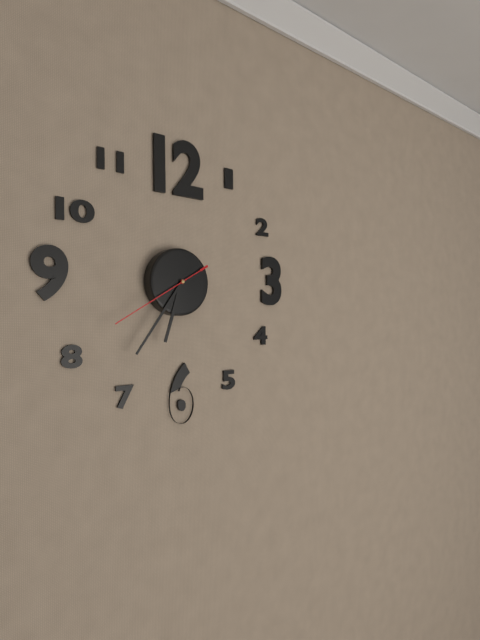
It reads **6:36:40**
